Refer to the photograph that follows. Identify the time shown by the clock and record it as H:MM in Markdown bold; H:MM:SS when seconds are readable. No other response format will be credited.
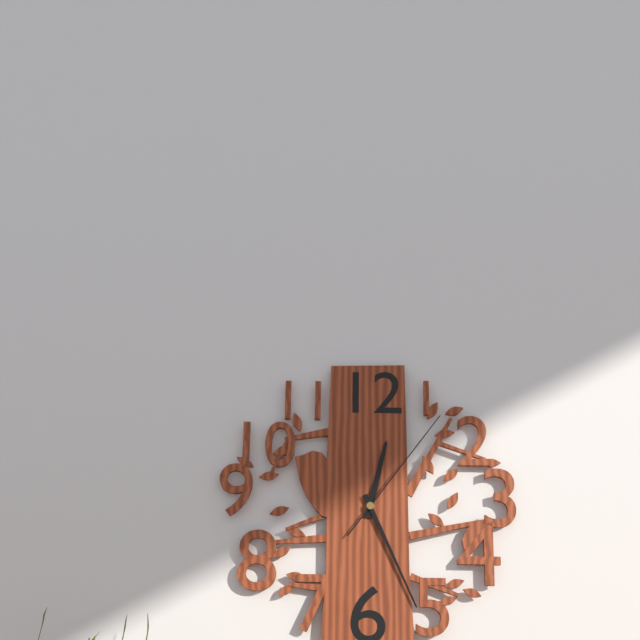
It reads **12:26:06**
